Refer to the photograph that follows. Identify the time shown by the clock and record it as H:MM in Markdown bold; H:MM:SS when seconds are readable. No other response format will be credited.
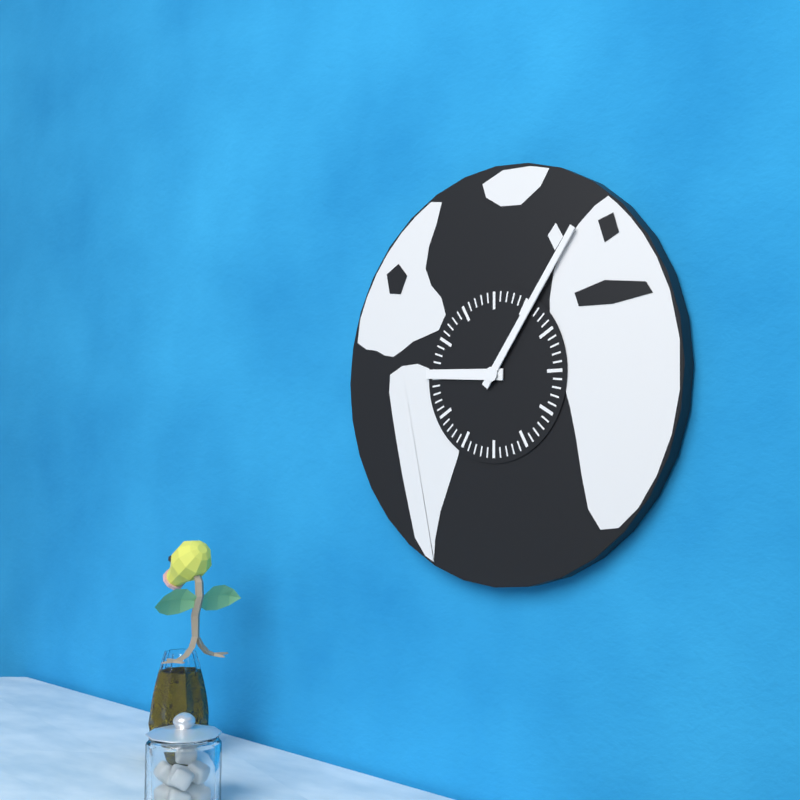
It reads **9:06**
